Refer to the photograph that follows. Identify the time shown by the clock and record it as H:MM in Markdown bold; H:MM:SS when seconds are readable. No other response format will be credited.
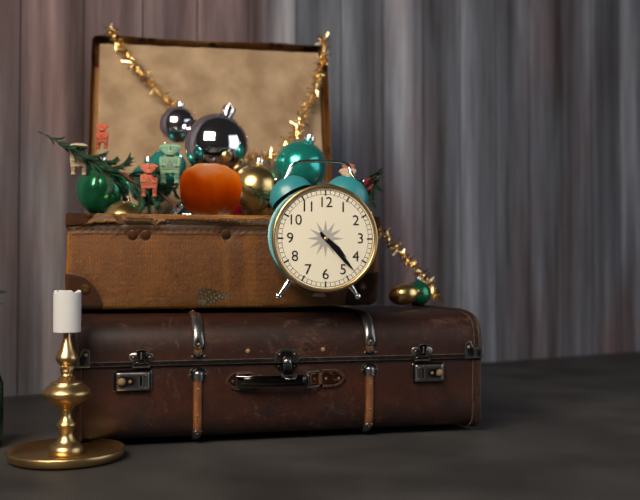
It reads **4:23**
